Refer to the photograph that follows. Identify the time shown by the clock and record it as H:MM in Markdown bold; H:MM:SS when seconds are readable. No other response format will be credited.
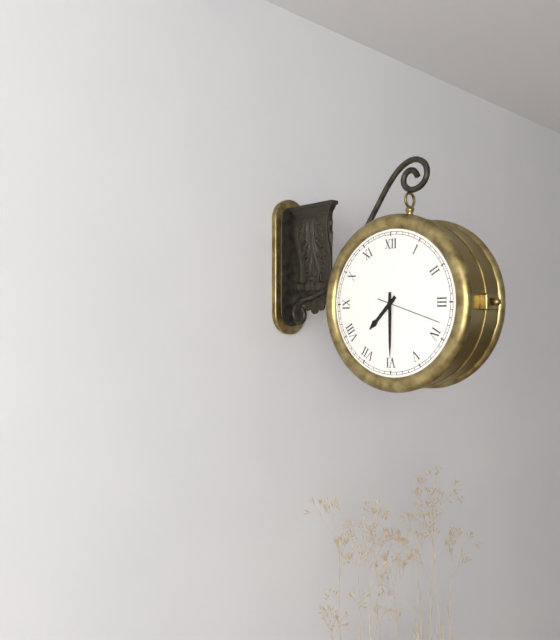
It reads **7:30:18**
